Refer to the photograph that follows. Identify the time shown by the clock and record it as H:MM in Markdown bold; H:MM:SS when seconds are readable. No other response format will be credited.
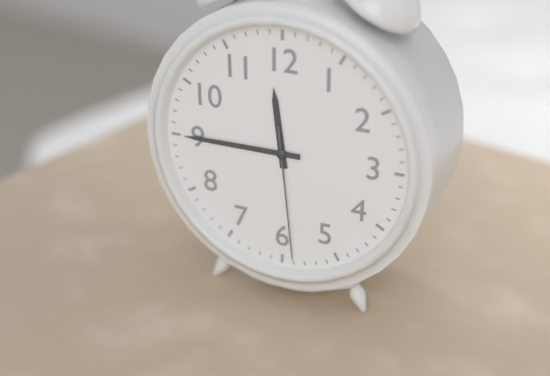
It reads **11:45:29**
